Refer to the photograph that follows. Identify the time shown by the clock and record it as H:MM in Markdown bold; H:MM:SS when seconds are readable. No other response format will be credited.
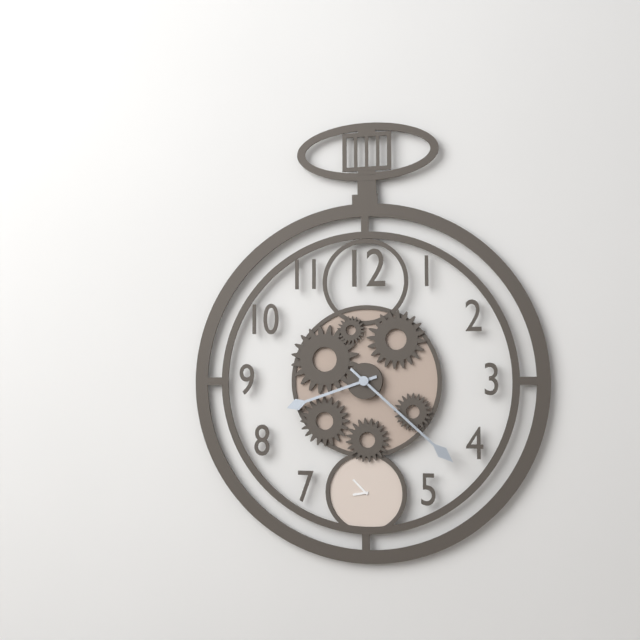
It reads **8:22**
